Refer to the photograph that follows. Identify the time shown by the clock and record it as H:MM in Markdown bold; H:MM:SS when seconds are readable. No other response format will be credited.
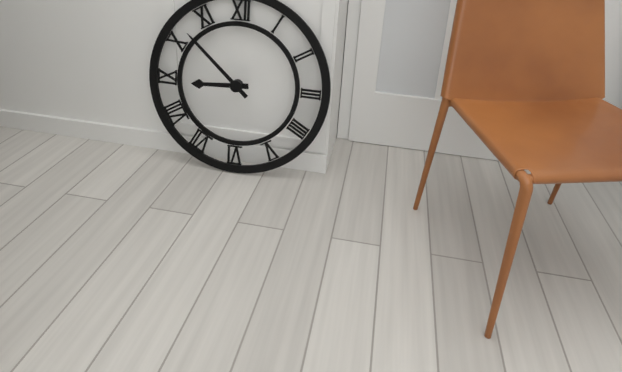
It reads **8:52**
